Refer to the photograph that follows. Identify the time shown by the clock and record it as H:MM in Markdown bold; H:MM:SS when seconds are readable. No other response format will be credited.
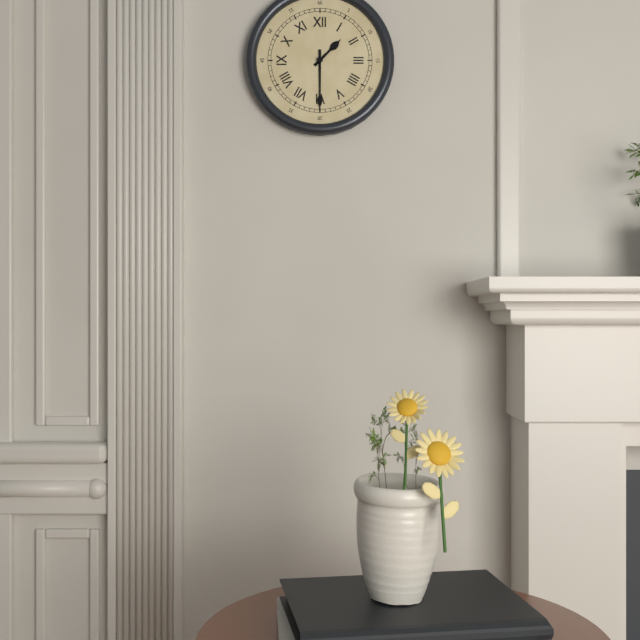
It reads **1:30**
